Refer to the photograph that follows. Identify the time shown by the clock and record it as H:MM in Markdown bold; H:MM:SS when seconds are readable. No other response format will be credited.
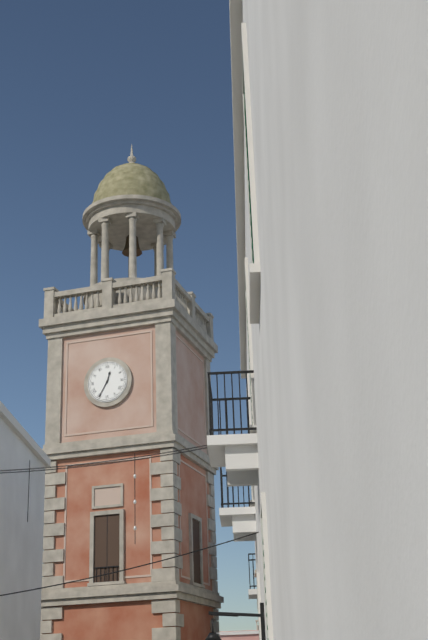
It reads **12:35**
